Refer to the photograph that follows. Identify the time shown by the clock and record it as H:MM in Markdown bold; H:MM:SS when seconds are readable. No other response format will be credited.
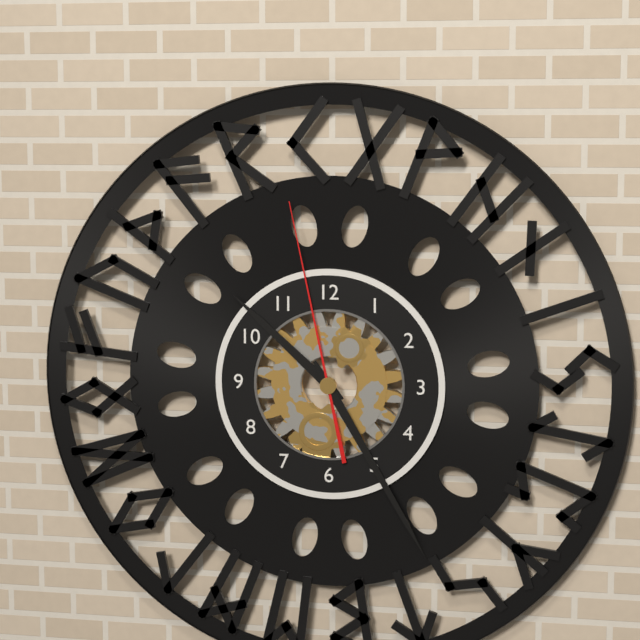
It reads **10:25:58**
